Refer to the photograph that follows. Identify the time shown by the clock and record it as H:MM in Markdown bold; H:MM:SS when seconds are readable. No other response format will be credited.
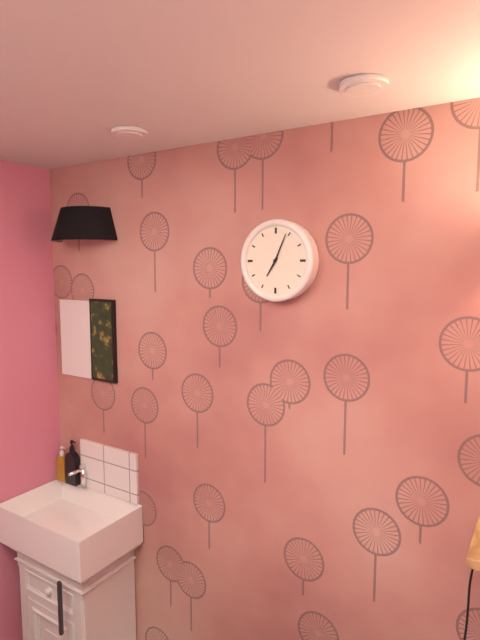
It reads **7:04**
